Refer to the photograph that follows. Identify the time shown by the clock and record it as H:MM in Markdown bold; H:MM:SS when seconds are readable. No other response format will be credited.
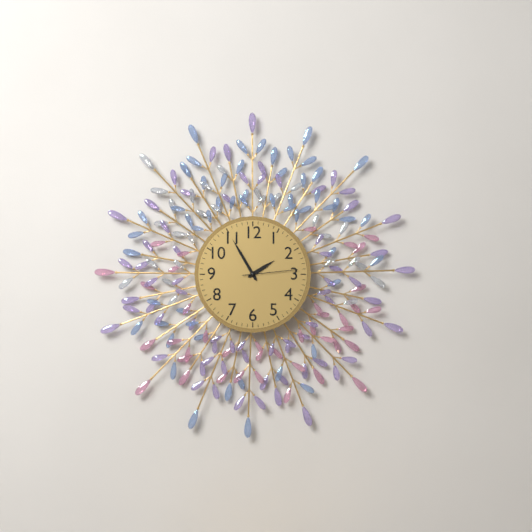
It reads **1:55:14**
